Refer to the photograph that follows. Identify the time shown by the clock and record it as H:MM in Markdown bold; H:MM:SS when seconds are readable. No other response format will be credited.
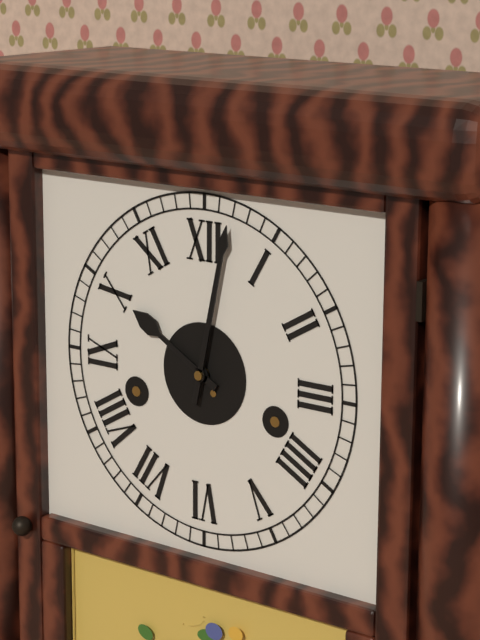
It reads **10:02**
